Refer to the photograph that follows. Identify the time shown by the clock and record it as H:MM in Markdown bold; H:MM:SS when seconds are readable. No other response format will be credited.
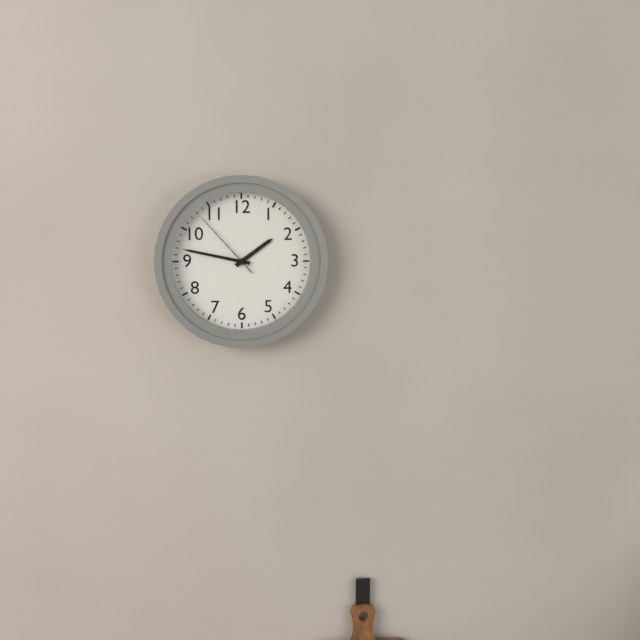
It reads **1:47:53**
